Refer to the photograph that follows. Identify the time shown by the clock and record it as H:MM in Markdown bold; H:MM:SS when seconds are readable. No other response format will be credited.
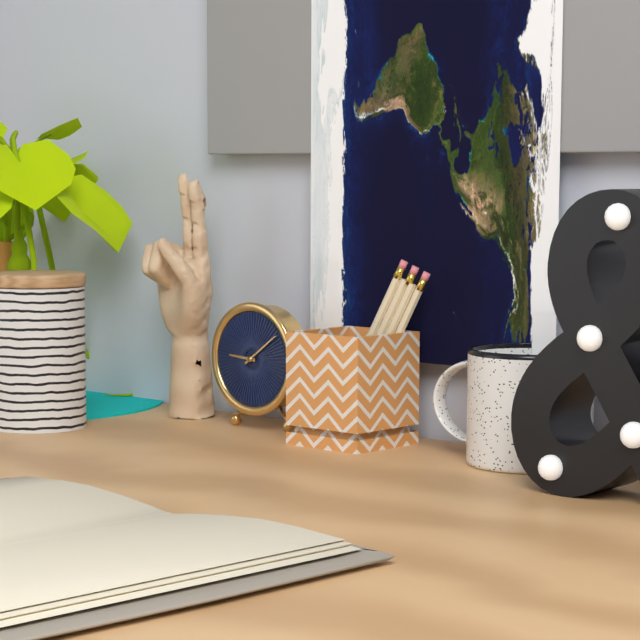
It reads **9:09**
